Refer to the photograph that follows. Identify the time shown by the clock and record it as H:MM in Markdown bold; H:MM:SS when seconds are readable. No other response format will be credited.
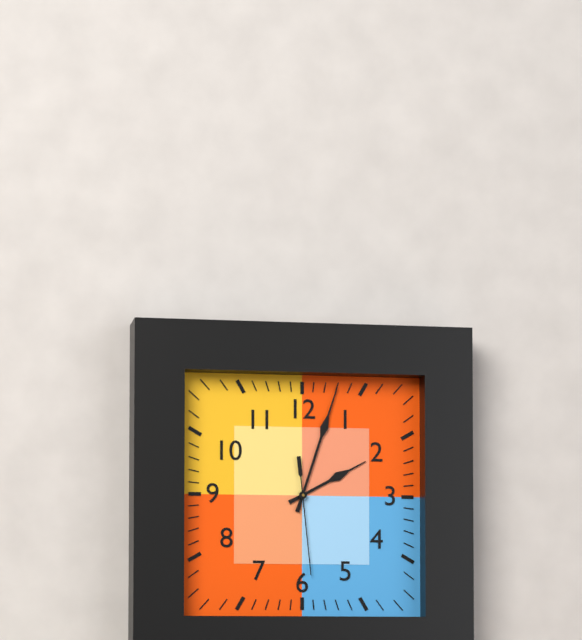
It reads **2:03:29**
